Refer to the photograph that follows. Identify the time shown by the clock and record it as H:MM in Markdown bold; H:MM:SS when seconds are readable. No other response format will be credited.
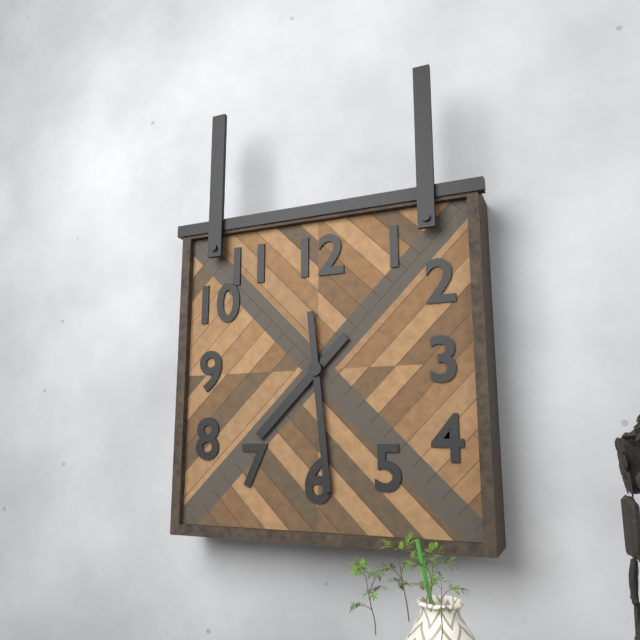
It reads **7:29**
